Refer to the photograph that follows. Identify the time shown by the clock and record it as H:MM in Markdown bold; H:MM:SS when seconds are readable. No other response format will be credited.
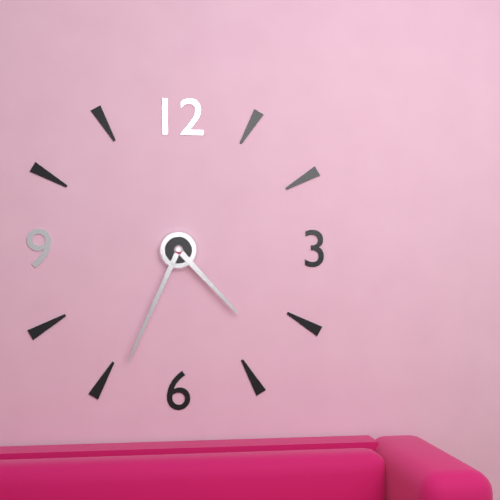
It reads **4:34**
